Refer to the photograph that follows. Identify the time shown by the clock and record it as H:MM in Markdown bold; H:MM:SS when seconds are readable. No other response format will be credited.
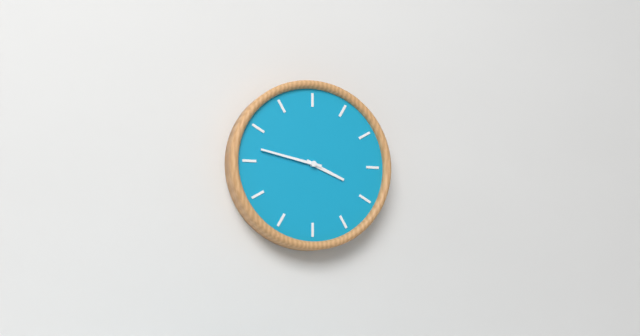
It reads **3:47**
